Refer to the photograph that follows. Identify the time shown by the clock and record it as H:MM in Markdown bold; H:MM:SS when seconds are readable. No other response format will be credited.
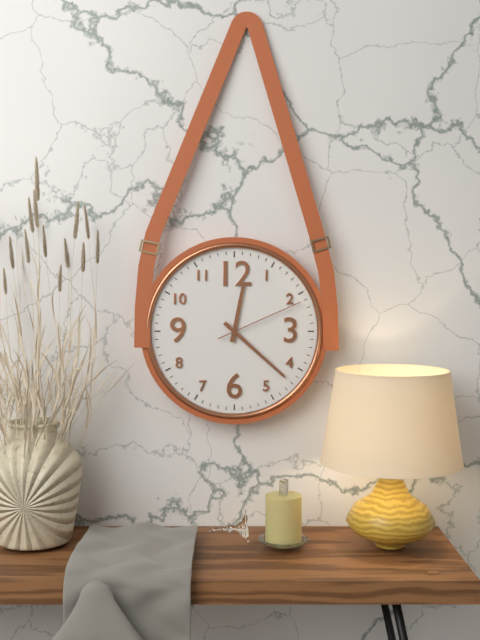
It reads **12:22:11**
